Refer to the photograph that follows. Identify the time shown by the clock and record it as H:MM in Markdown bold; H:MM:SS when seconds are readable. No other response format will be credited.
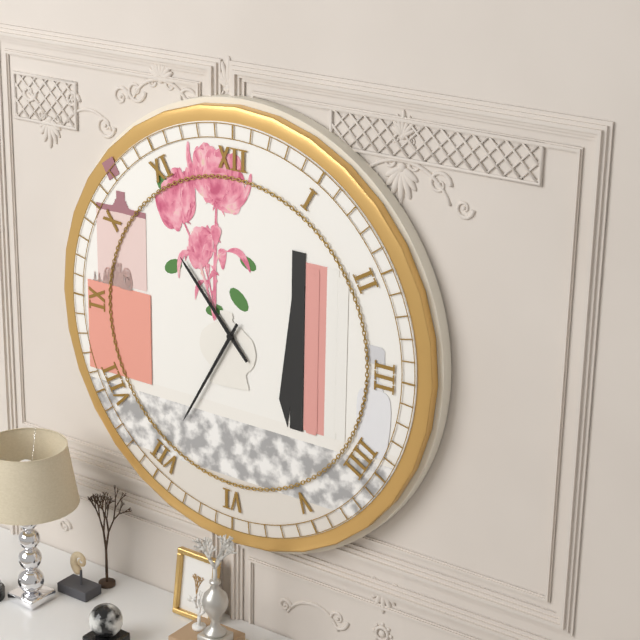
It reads **10:35**
